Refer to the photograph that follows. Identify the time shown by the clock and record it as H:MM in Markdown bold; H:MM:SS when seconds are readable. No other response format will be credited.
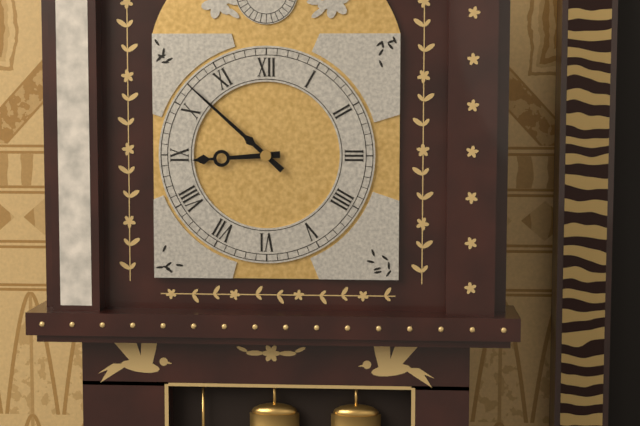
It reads **8:52**
